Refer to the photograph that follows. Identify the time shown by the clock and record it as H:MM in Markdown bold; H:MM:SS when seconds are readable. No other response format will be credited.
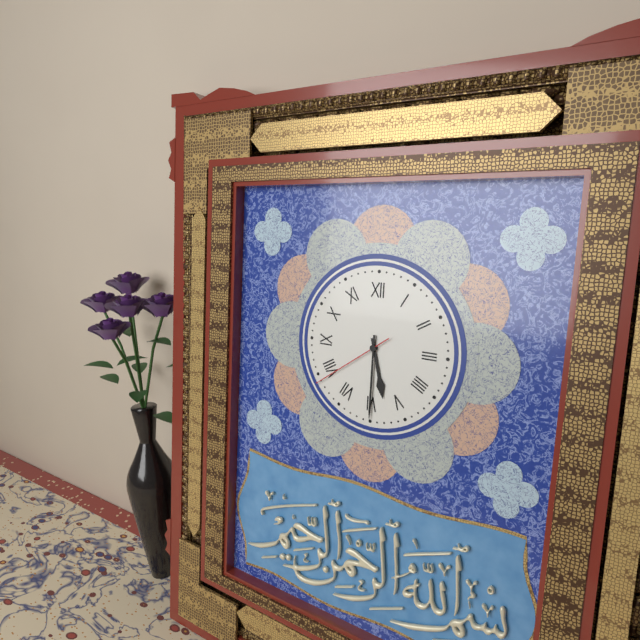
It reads **5:30:39**
